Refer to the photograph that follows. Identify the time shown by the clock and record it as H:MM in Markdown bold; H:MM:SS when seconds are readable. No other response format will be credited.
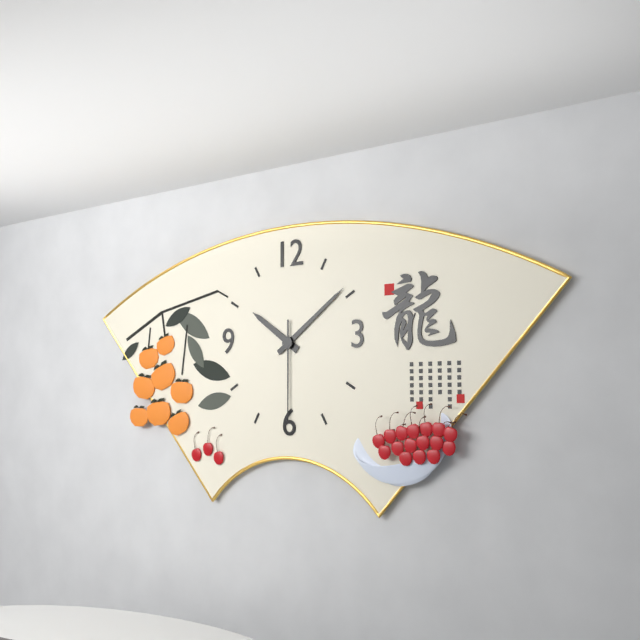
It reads **10:09:30**
